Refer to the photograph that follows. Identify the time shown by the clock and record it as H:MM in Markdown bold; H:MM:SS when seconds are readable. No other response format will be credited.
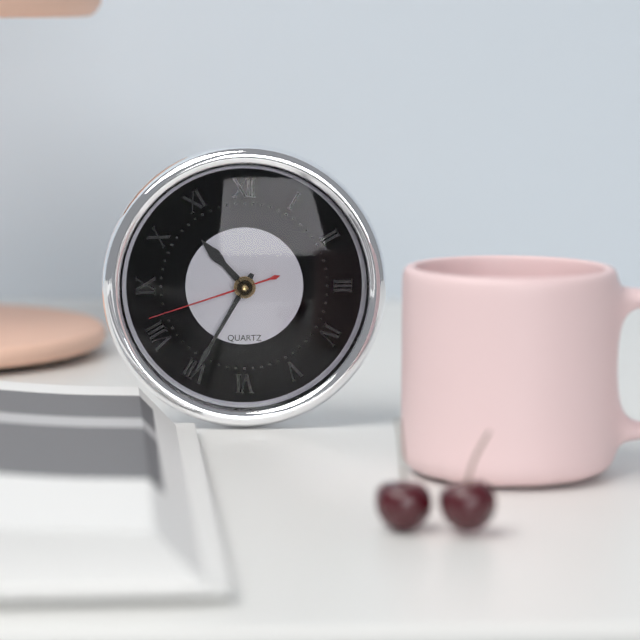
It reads **10:35:42**
